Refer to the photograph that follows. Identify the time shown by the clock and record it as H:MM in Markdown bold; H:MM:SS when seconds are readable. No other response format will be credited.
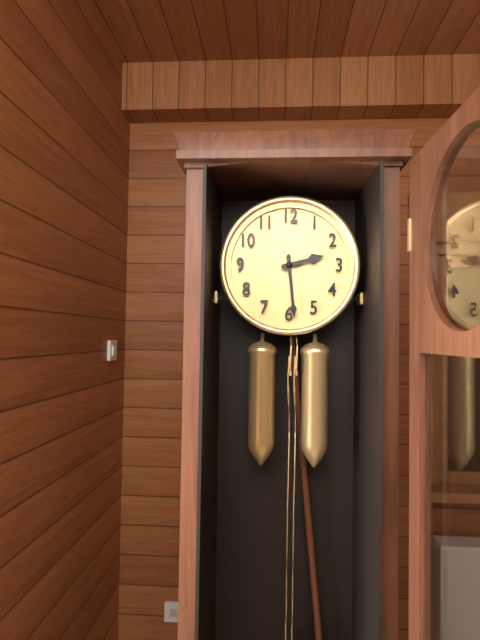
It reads **2:29**
